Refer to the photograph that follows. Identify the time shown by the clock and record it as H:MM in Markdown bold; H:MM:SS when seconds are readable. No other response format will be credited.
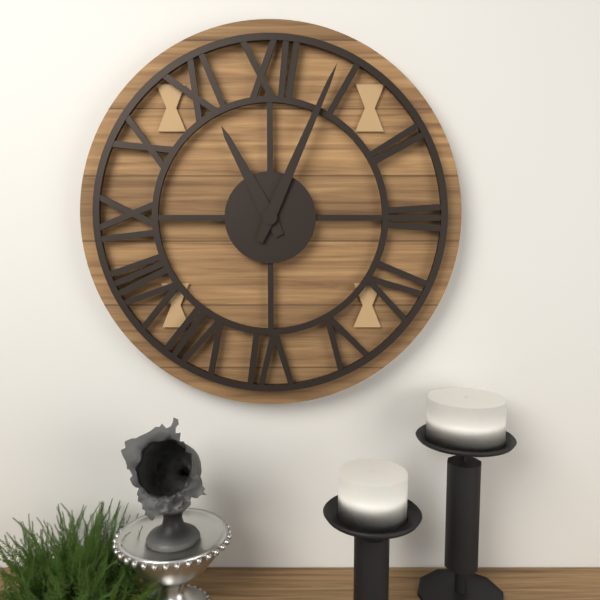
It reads **11:04**
